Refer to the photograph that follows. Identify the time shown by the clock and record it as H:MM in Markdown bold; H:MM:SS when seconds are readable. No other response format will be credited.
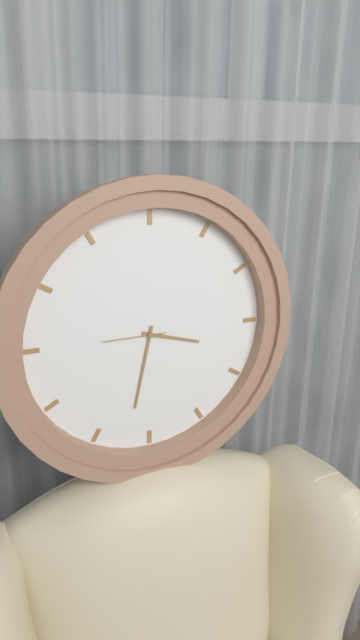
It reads **3:32:45**
